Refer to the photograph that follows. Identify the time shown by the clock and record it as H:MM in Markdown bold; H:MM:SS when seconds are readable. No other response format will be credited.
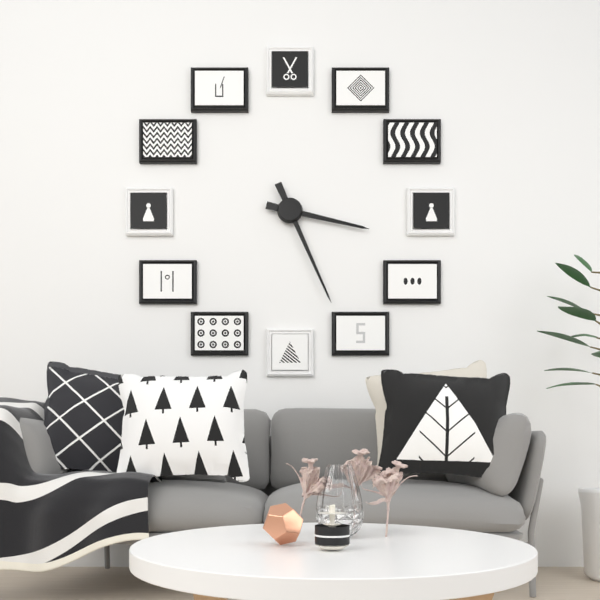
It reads **3:26**
